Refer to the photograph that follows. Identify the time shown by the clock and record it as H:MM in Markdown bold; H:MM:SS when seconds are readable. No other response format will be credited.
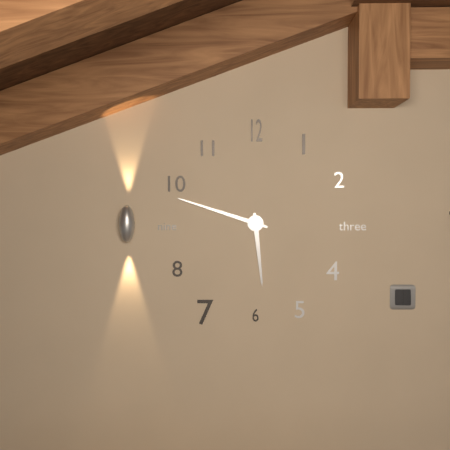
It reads **5:48**
